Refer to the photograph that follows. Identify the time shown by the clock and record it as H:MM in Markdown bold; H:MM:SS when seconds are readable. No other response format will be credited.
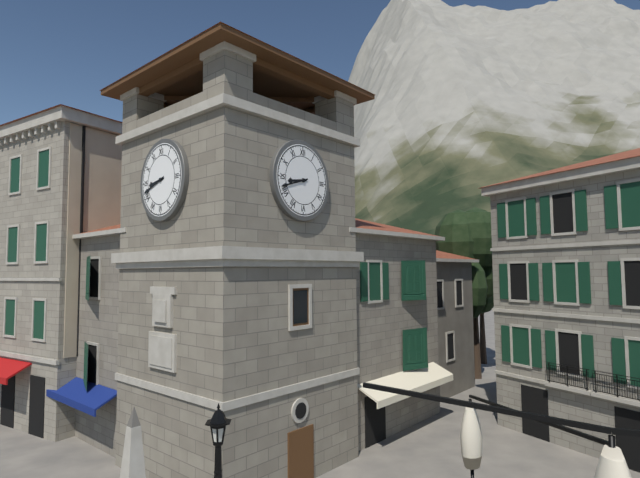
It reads **8:42**
